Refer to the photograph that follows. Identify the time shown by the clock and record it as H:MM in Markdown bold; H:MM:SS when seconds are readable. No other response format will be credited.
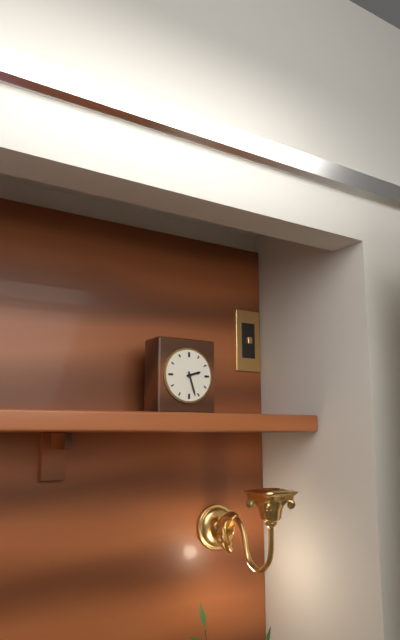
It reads **2:27**
